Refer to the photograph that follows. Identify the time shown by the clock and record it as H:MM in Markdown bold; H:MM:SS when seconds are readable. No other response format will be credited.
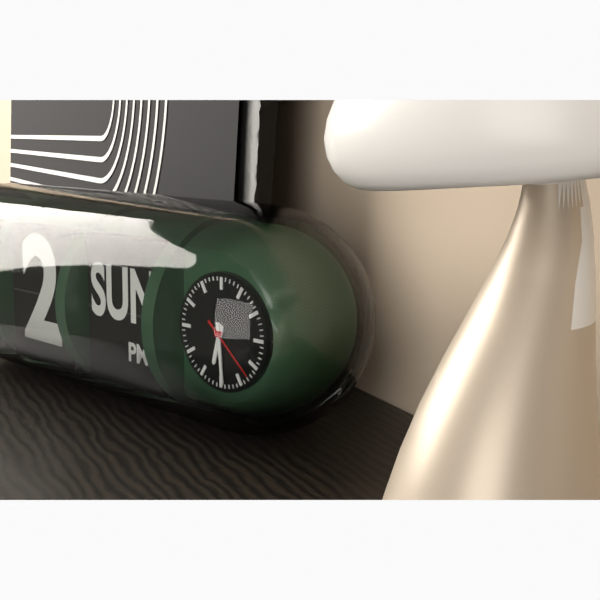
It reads **6:29:22**
